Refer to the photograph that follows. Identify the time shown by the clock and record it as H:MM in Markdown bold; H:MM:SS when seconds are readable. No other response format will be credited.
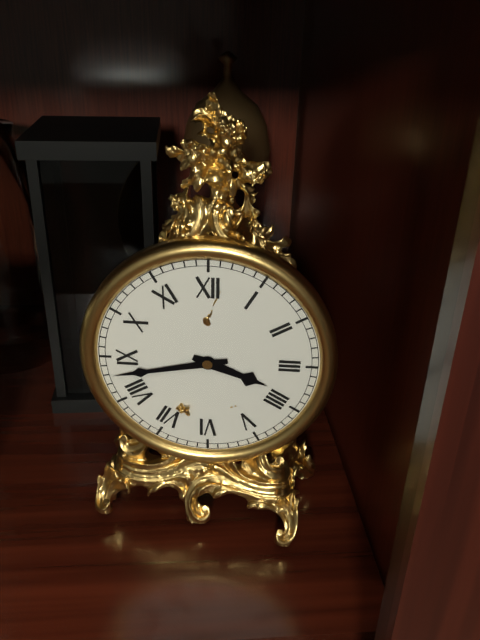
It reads **3:43**
